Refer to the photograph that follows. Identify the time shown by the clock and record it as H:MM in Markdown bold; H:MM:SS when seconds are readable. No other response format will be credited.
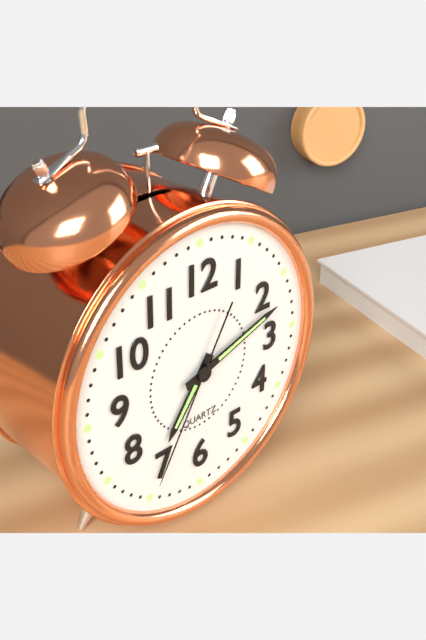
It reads **7:12:35**
